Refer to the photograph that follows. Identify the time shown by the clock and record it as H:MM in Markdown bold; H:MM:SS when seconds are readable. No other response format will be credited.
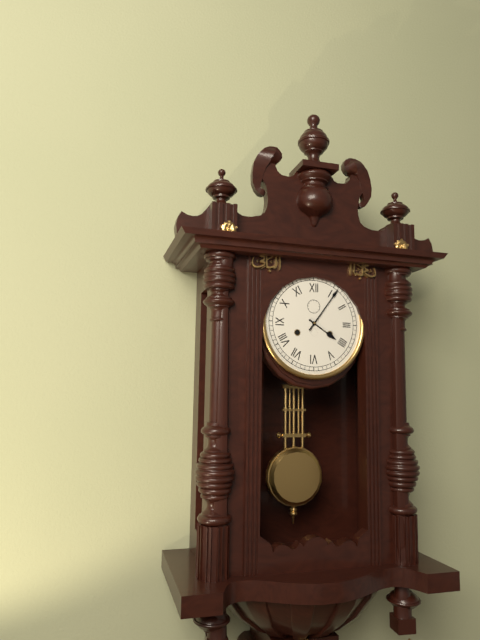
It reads **4:06**
